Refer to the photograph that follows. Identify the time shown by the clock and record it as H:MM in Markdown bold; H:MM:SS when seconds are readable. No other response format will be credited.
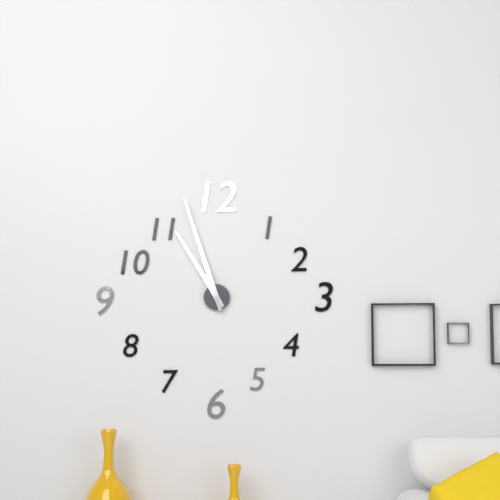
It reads **10:57**
